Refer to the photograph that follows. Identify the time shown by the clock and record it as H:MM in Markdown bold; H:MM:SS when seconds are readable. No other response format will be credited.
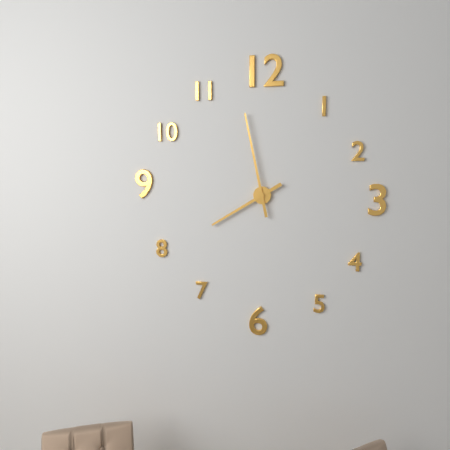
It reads **7:58**
